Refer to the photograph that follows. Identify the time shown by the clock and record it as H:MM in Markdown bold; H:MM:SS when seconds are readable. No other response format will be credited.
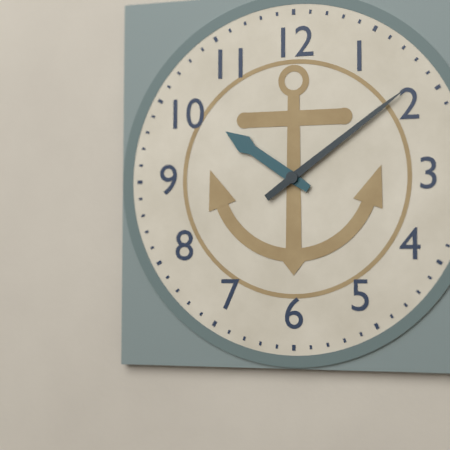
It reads **10:09**
